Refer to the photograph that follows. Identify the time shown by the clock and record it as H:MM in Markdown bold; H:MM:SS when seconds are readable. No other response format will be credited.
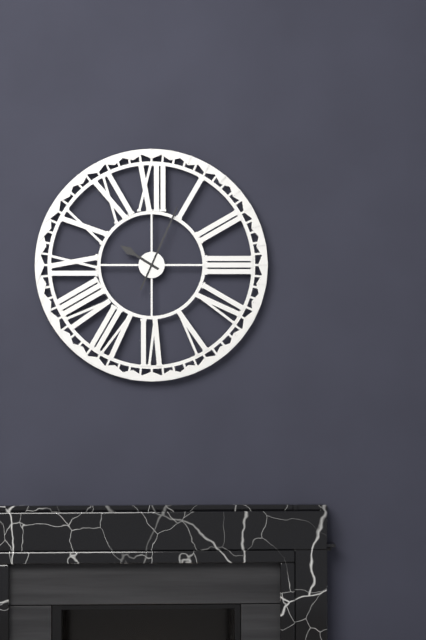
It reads **10:04**
